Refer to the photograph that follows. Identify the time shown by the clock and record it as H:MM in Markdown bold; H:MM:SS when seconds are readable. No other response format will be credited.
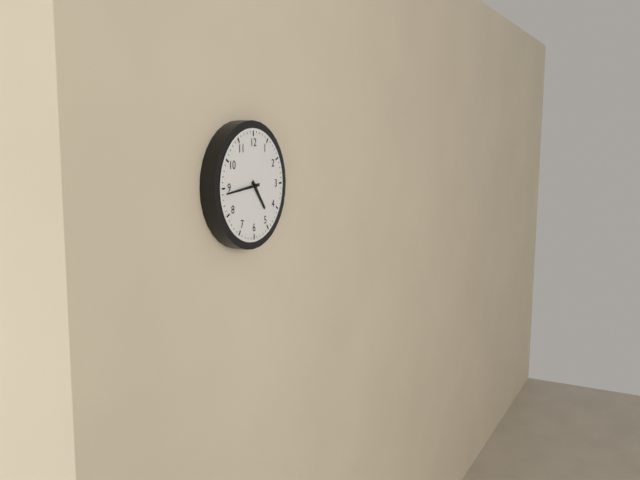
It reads **4:44**
